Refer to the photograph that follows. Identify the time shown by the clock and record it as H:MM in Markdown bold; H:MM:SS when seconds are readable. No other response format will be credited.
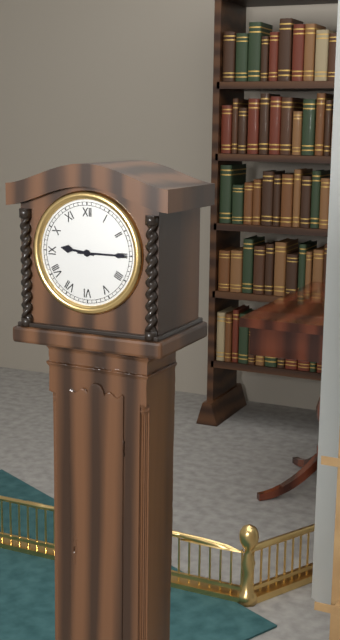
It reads **9:15**
